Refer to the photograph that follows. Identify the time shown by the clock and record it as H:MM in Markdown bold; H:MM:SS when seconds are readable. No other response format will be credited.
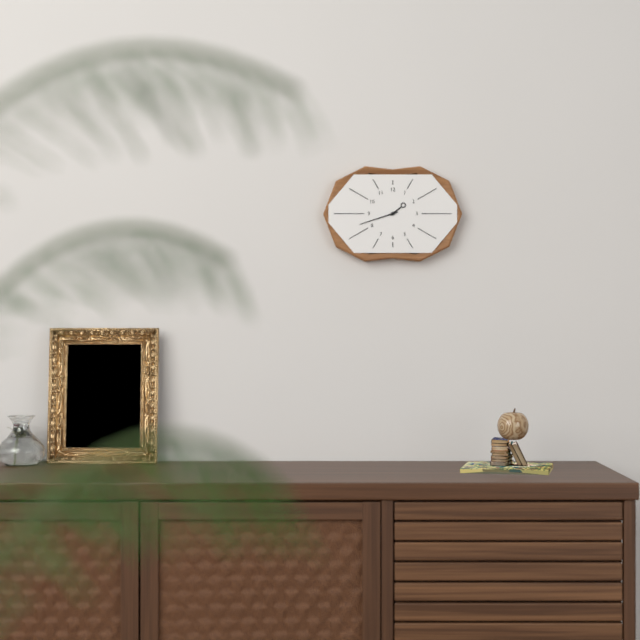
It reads **1:42**
